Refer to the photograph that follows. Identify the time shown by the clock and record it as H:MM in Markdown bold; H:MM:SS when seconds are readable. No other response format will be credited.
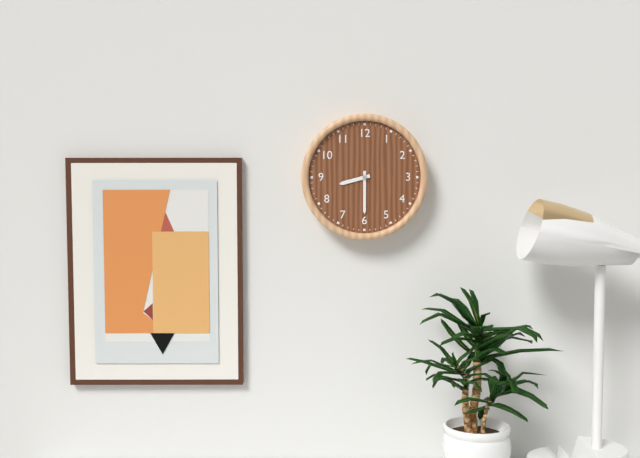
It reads **8:30**
